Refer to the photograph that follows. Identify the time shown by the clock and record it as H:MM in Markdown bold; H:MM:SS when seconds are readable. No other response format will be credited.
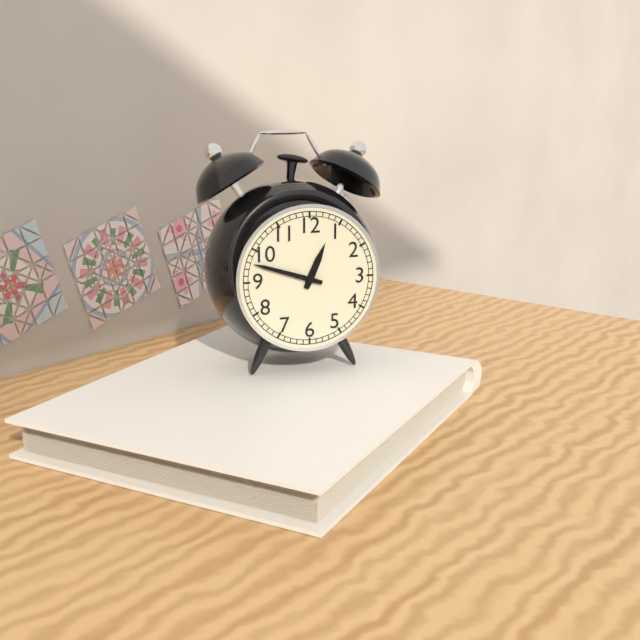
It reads **12:48**
